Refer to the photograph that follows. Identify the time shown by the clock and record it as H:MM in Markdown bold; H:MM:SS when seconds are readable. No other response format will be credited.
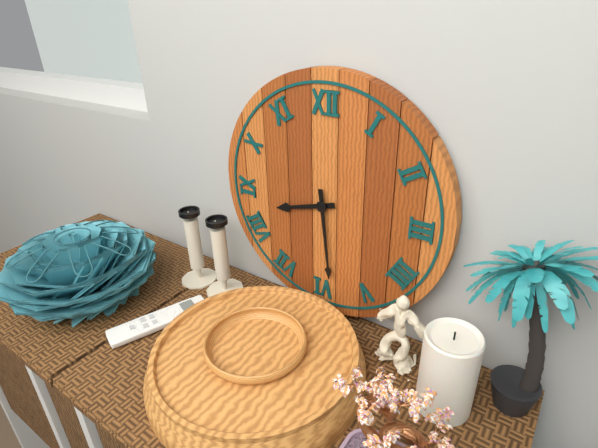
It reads **8:29**
